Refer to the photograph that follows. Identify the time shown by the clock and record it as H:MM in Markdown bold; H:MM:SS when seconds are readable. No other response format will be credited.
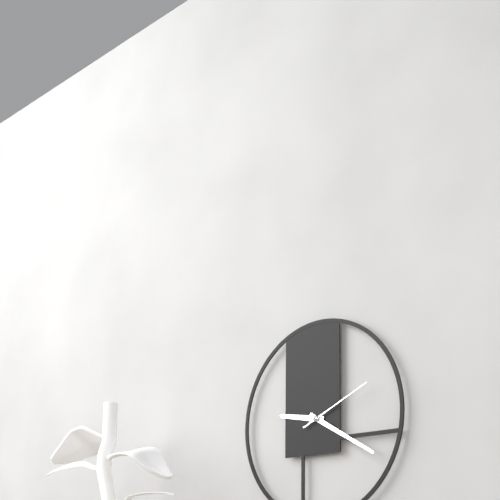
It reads **9:20:11**
